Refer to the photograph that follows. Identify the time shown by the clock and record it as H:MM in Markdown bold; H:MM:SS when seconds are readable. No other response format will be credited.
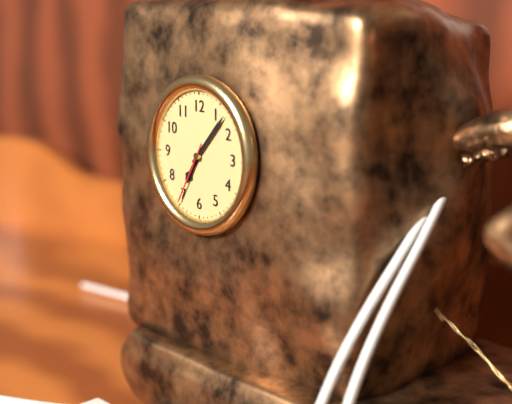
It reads **7:07:35**
